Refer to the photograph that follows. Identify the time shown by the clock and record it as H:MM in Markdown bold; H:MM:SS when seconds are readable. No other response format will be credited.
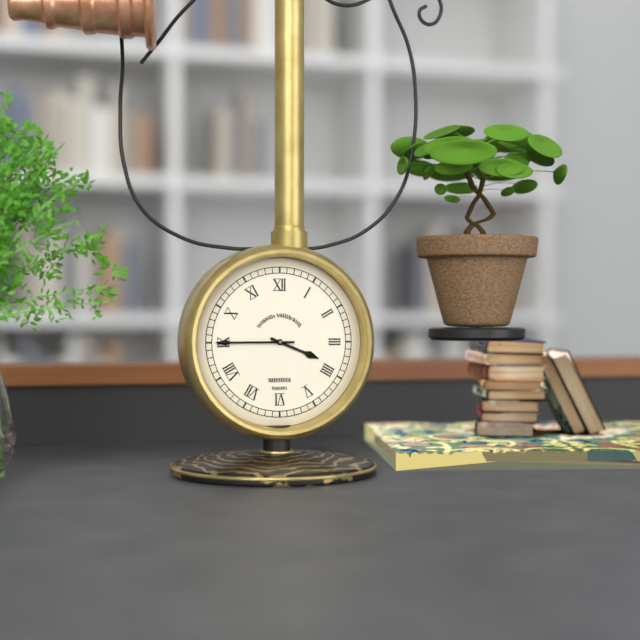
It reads **3:45**
